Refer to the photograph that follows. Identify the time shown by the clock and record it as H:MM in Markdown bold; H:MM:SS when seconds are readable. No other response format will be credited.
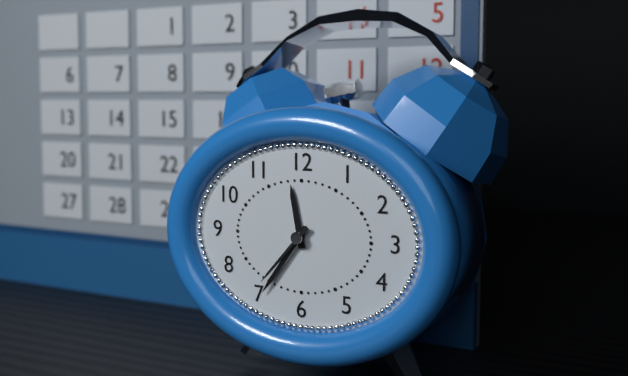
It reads **11:36:37**
